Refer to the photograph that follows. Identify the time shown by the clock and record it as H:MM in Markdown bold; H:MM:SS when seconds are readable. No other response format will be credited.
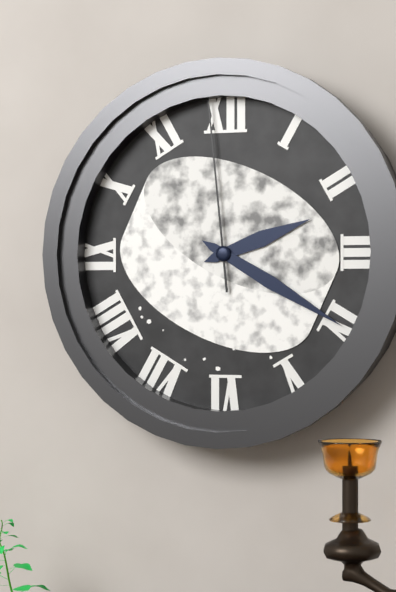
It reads **2:20:59**
